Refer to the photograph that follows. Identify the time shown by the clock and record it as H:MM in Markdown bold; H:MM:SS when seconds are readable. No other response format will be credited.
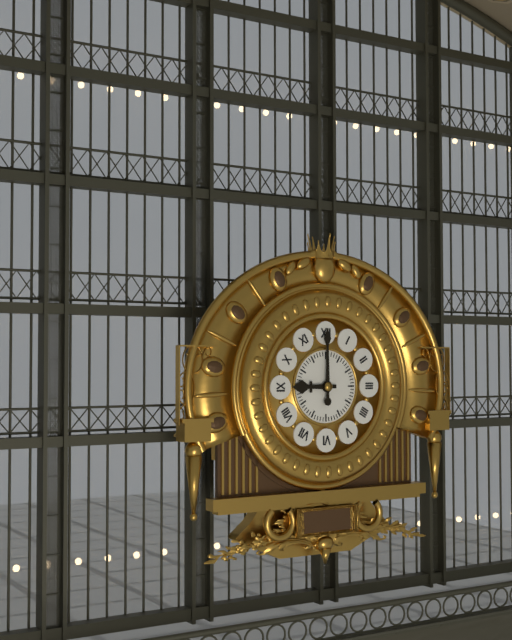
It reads **9:00**
